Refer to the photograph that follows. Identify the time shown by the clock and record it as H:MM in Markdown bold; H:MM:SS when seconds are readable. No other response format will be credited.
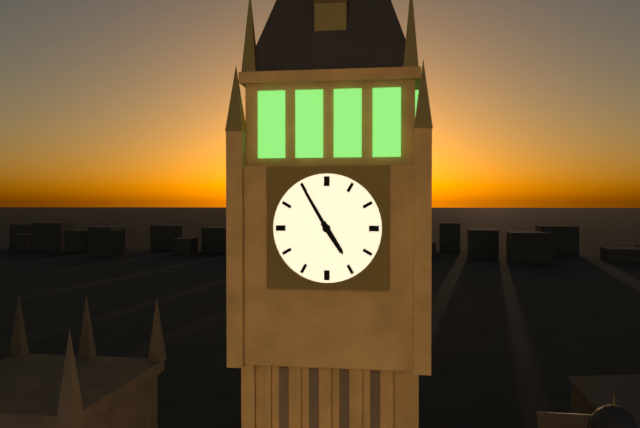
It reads **4:55**
